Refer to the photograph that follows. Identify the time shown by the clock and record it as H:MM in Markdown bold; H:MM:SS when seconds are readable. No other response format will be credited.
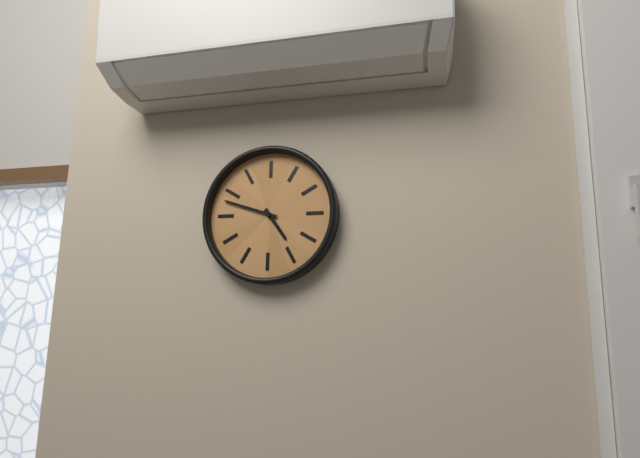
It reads **4:48**
